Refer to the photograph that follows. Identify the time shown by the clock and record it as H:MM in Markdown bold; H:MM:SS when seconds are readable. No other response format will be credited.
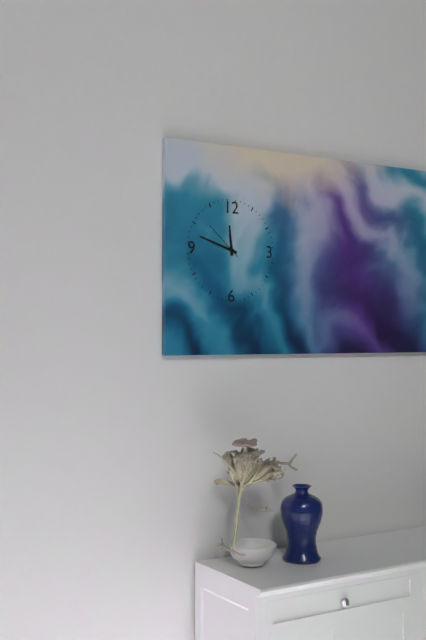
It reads **11:48**
